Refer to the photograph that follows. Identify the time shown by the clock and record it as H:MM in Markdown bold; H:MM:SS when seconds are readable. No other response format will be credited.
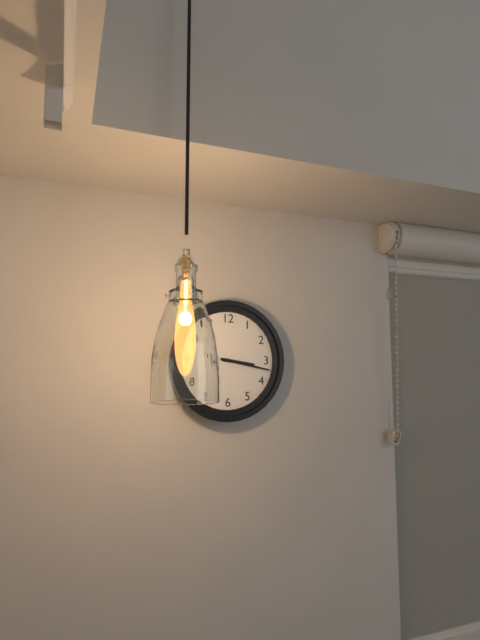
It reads **3:17**
